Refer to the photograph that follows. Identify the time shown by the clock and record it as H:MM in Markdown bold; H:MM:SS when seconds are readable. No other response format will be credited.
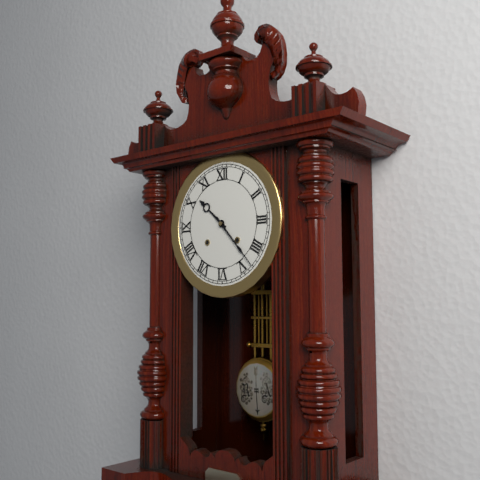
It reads **10:23**
